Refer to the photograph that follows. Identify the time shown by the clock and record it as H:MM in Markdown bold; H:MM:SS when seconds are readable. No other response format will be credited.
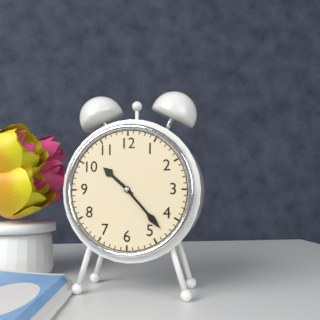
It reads **10:23**
